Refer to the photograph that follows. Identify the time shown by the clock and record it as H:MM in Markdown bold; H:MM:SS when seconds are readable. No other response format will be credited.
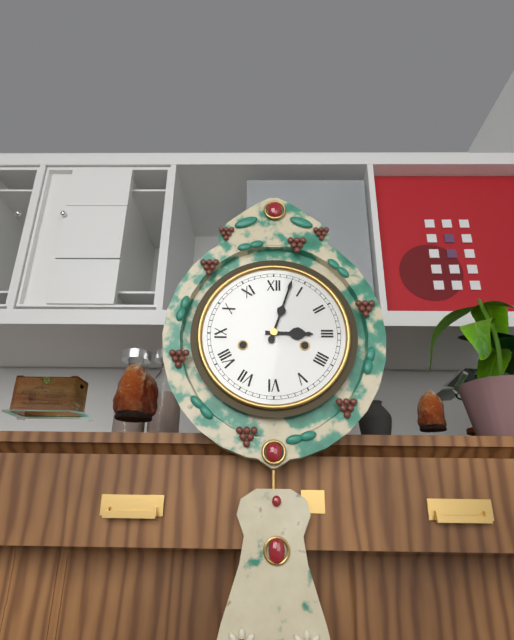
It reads **3:03**
